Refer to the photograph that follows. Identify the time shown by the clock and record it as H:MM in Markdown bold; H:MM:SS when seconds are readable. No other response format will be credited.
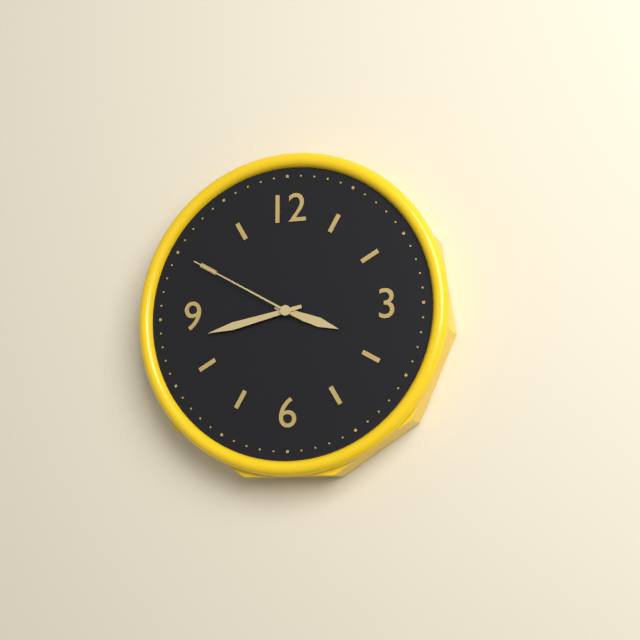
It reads **3:43:50**
